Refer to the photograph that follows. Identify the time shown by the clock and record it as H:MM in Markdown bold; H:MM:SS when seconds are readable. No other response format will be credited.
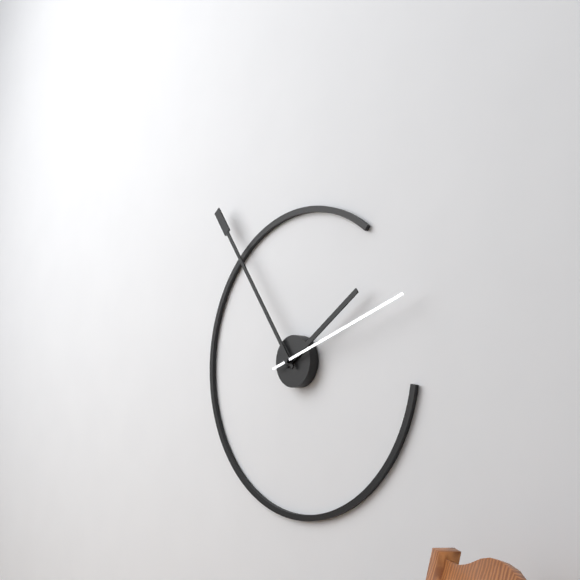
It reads **1:54:12**
